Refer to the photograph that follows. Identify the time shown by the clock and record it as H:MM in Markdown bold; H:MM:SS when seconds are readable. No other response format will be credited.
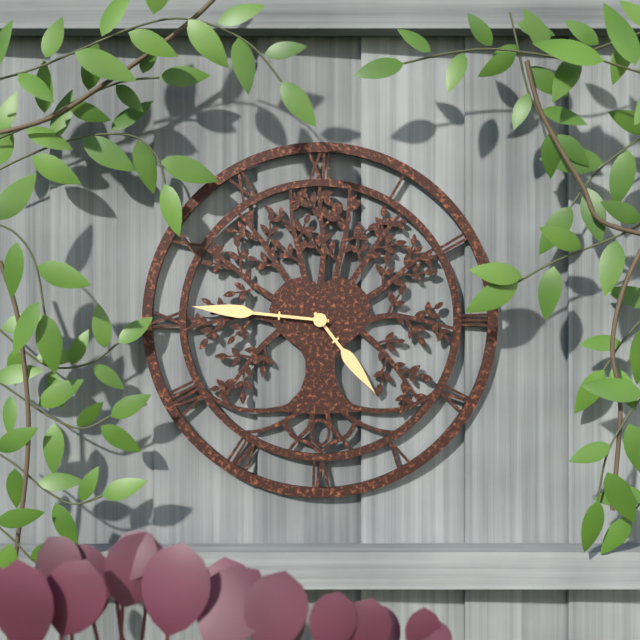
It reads **4:46**
